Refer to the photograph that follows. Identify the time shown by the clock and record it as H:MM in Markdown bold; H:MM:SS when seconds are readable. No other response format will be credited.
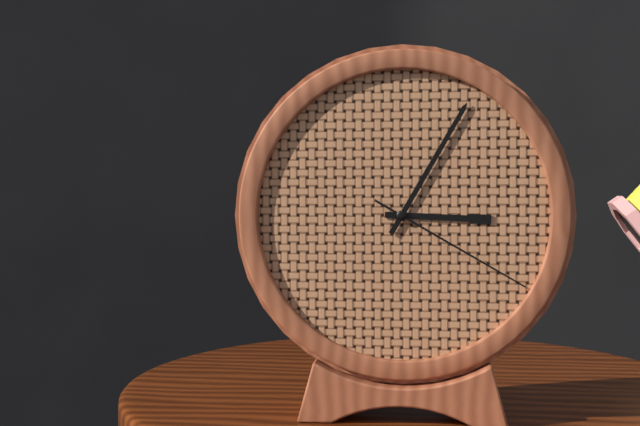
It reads **3:05:20**
